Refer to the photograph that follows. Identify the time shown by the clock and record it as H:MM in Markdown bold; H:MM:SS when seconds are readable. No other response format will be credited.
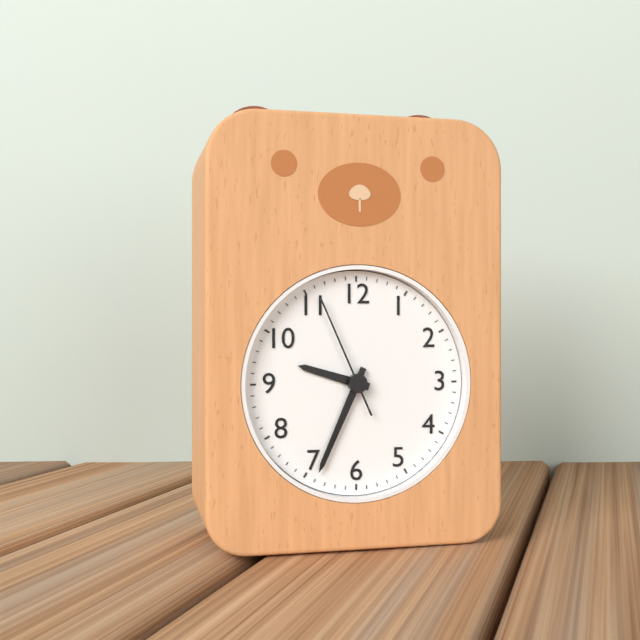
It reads **9:34:56**
